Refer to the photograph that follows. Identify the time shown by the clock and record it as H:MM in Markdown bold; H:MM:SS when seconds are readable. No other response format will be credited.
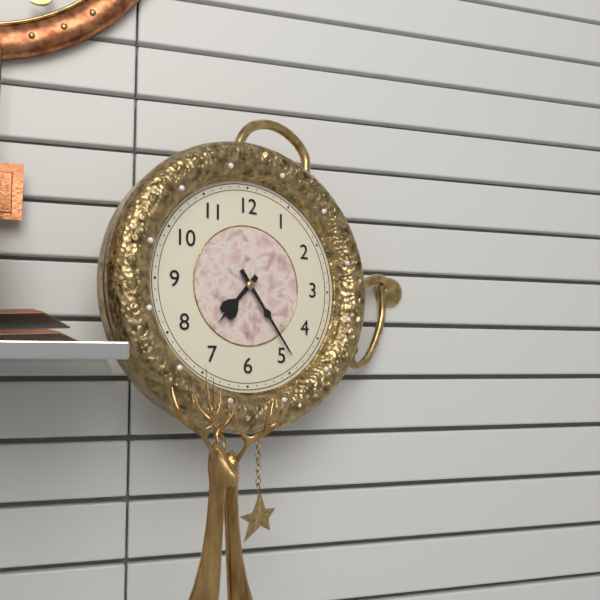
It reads **7:24**
